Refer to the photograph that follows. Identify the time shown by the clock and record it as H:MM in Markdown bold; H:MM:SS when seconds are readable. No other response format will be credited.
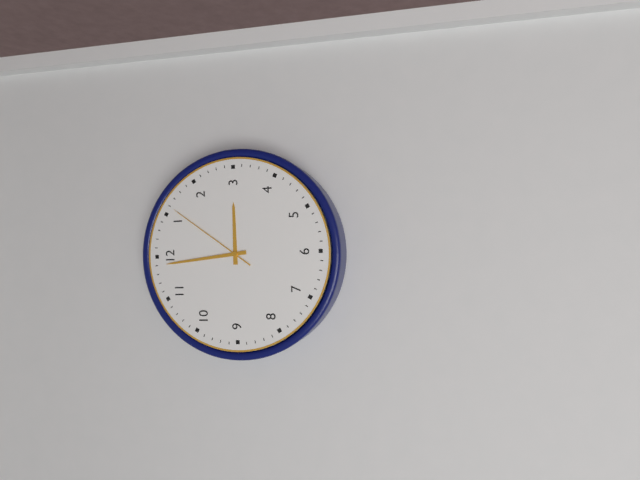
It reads **2:59:06**
